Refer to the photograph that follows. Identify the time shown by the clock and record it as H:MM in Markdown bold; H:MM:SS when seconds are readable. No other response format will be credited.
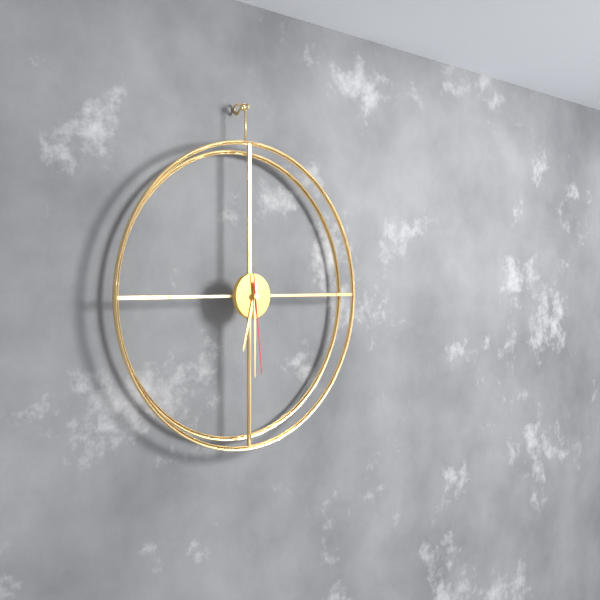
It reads **6:30:29**
